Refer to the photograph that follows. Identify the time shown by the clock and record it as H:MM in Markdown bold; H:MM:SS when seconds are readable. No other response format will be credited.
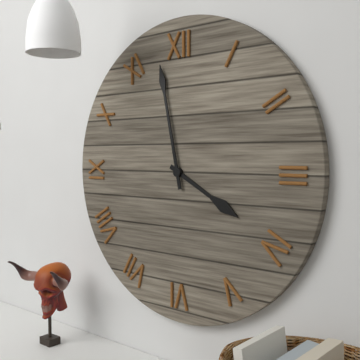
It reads **3:58**
